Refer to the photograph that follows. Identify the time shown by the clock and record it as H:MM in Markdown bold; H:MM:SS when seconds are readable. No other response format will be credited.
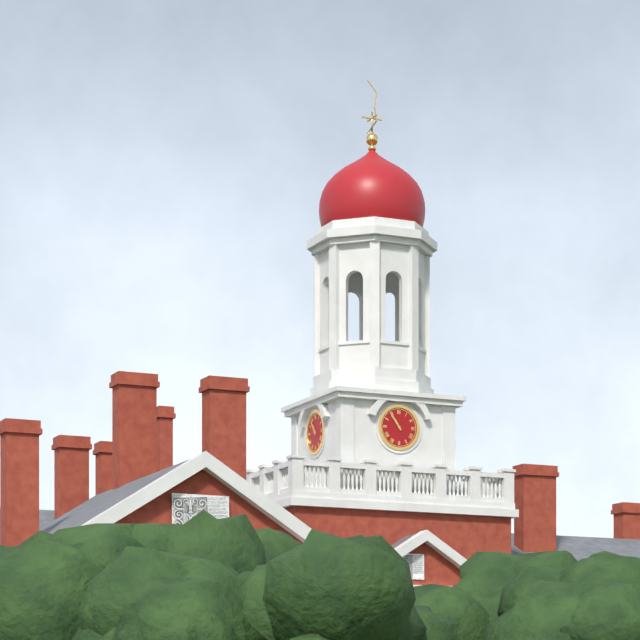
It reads **10:54**
